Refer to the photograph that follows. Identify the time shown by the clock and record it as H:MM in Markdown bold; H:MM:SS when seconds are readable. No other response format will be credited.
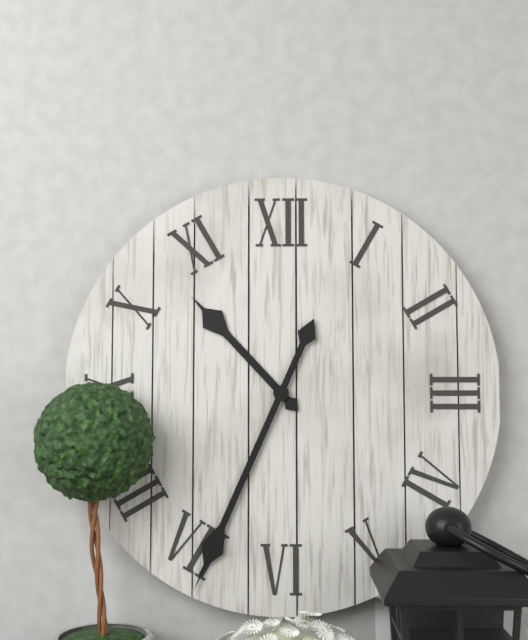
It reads **10:34**
